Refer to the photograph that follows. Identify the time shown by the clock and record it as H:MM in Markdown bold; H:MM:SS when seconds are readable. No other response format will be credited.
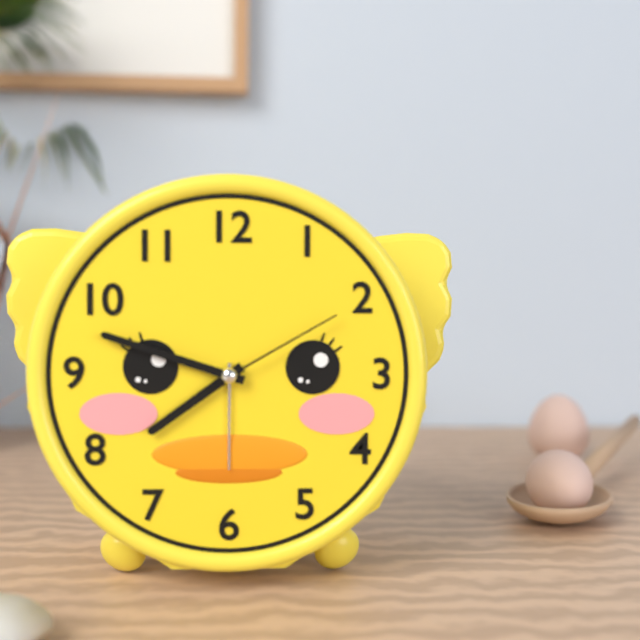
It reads **7:48:10**
